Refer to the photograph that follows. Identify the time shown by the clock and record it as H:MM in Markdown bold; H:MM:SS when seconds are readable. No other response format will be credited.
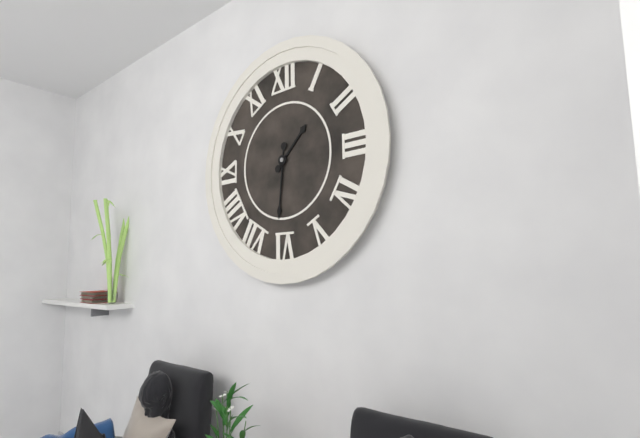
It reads **1:31**
